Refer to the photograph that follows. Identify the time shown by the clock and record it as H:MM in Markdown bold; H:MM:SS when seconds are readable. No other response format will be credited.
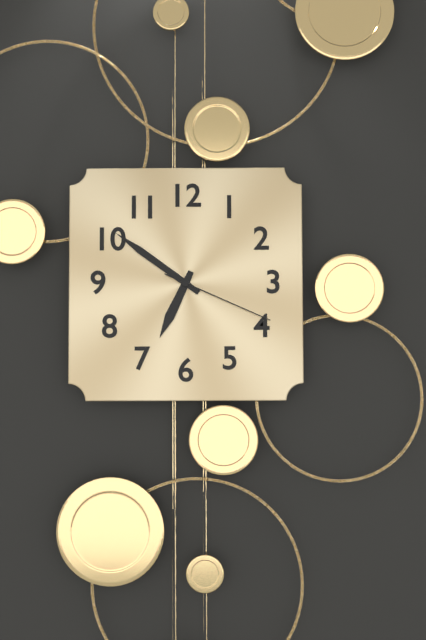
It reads **6:51:19**
